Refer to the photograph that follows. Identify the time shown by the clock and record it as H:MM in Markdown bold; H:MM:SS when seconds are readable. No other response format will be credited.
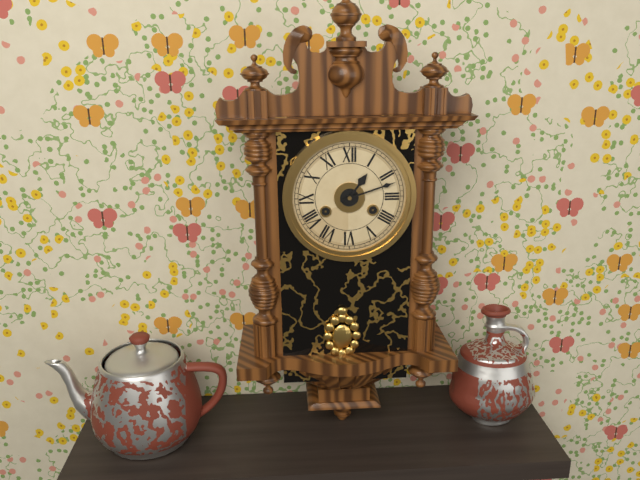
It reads **1:12**
